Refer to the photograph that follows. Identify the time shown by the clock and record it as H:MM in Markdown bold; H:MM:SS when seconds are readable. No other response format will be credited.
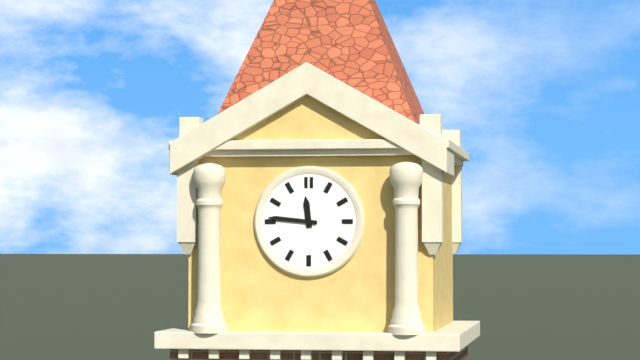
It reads **11:46**
